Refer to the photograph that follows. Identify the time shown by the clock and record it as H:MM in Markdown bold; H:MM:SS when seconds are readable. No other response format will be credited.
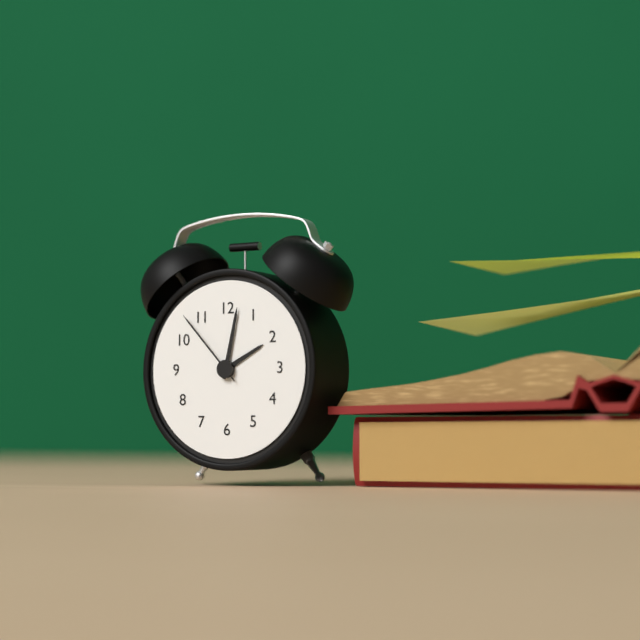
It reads **2:02:53**
